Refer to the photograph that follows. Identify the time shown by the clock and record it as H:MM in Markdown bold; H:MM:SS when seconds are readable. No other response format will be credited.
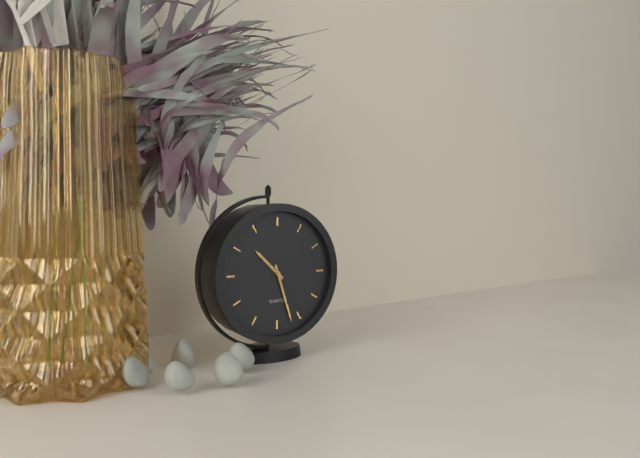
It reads **10:27**
